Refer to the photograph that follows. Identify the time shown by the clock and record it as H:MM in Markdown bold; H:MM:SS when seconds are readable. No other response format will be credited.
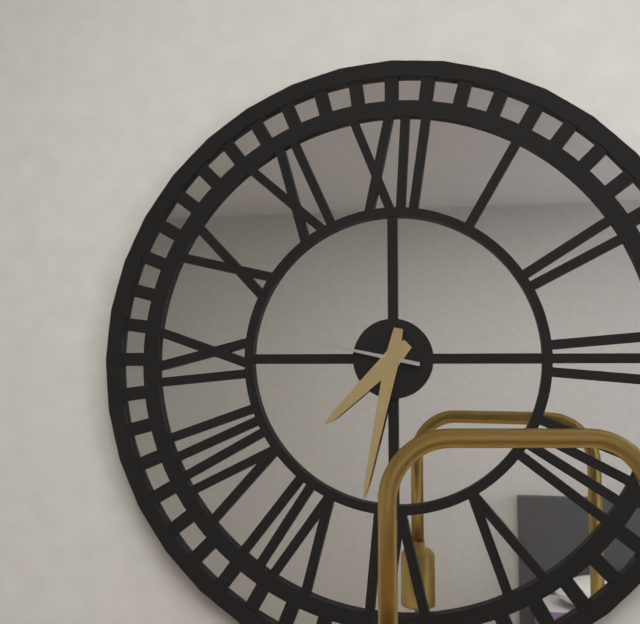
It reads **7:32:47**
